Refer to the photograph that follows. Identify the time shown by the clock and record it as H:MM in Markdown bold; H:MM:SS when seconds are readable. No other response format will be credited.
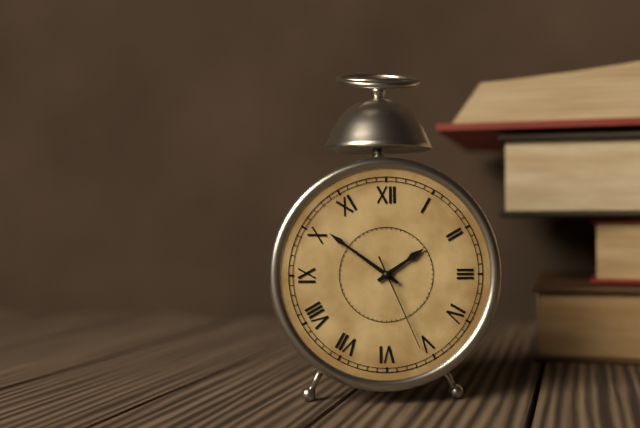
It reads **1:51:26**
